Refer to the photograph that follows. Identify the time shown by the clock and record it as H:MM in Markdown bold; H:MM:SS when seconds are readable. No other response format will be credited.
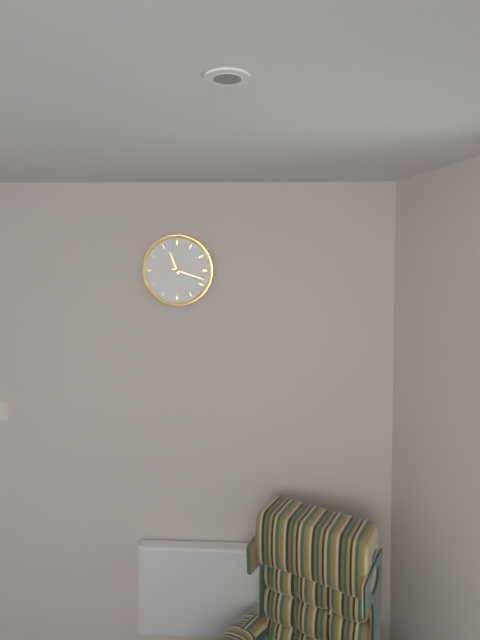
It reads **11:18**
